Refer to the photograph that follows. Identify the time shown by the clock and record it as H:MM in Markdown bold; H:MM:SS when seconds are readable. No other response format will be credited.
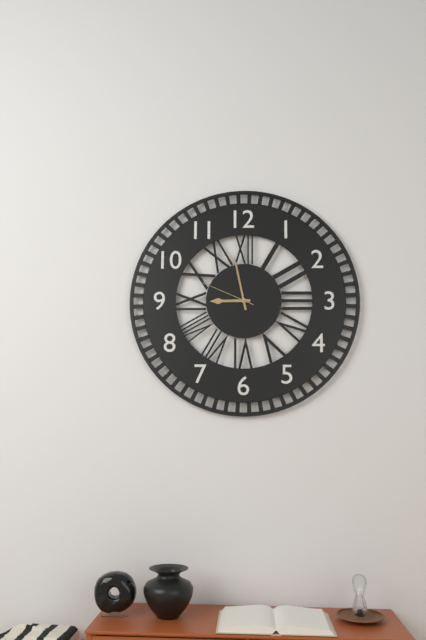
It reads **8:58:49**
